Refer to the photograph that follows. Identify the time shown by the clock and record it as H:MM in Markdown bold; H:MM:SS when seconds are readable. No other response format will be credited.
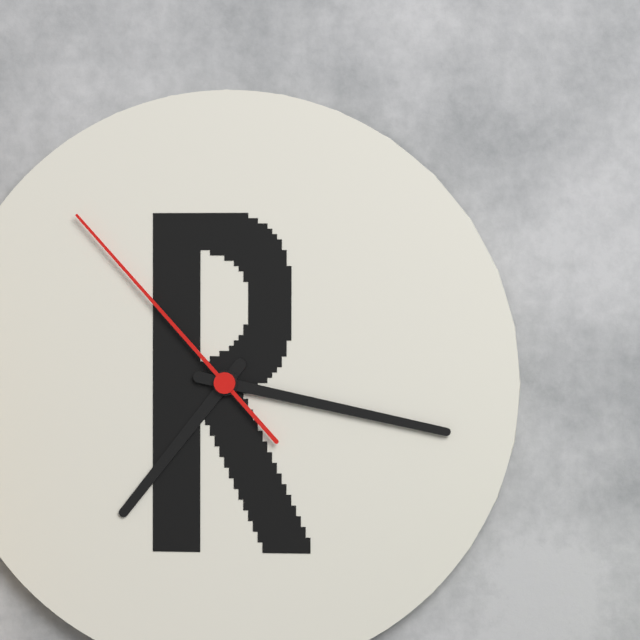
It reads **7:17:53**
